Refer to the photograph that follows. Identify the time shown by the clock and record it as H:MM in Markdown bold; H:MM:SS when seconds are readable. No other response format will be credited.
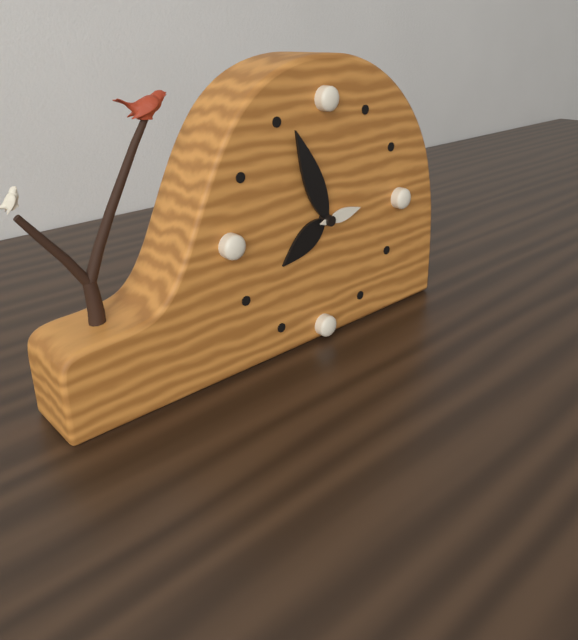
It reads **7:56**
